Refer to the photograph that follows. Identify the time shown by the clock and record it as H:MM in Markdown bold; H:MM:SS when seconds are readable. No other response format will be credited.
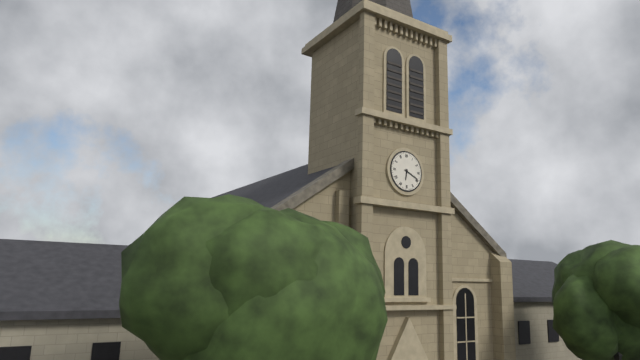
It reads **6:19**
